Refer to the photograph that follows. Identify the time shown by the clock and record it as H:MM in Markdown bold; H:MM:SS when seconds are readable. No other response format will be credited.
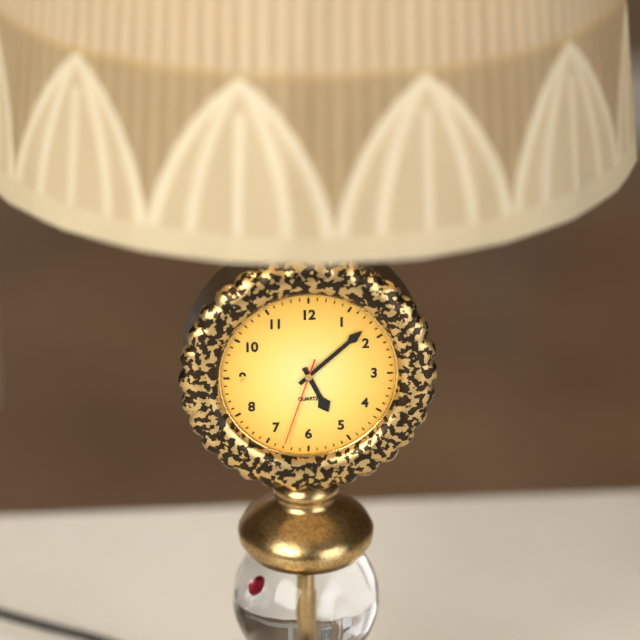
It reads **5:08:33**
